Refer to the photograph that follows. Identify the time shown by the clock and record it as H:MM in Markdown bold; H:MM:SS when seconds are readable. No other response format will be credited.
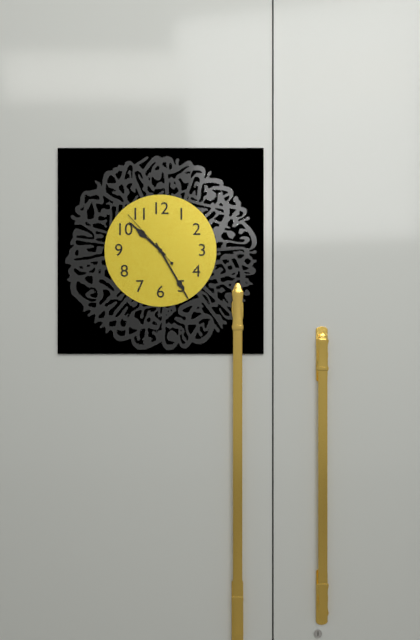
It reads **10:25:53**
